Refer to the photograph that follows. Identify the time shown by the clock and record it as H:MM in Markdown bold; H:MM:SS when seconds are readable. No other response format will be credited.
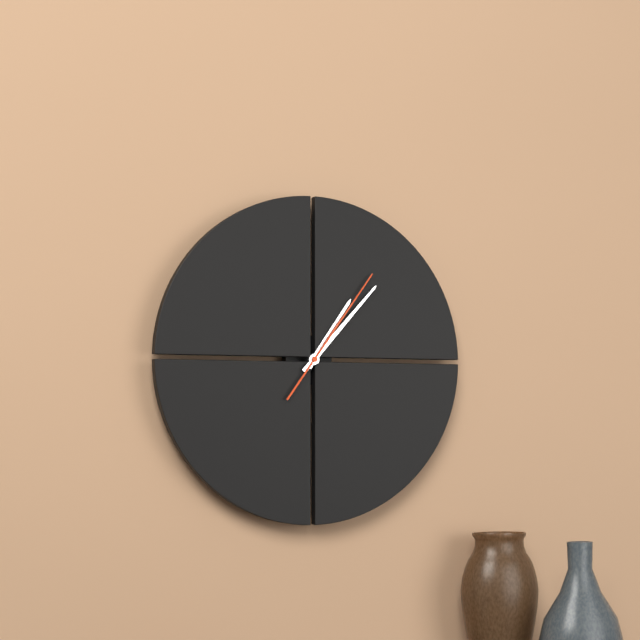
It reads **1:07:06**
